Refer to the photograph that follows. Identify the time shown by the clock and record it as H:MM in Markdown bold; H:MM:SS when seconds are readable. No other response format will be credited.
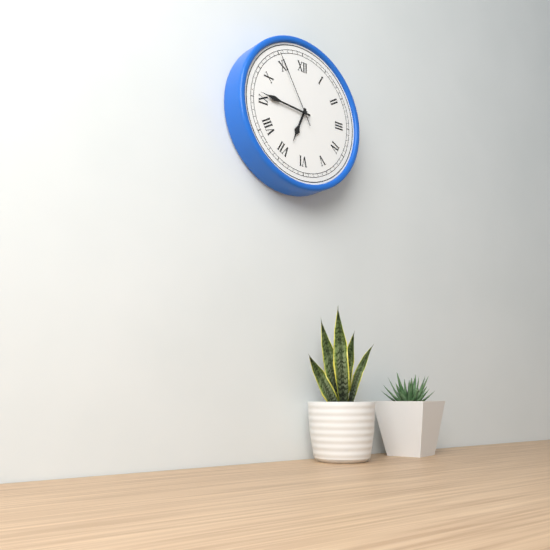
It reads **6:46:55**
